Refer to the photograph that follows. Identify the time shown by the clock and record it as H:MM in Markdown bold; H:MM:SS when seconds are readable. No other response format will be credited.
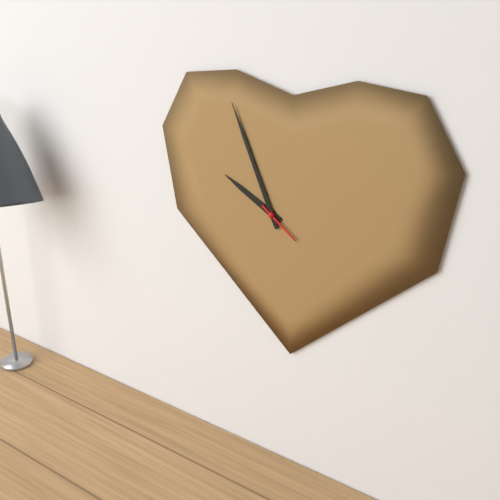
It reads **9:56**
